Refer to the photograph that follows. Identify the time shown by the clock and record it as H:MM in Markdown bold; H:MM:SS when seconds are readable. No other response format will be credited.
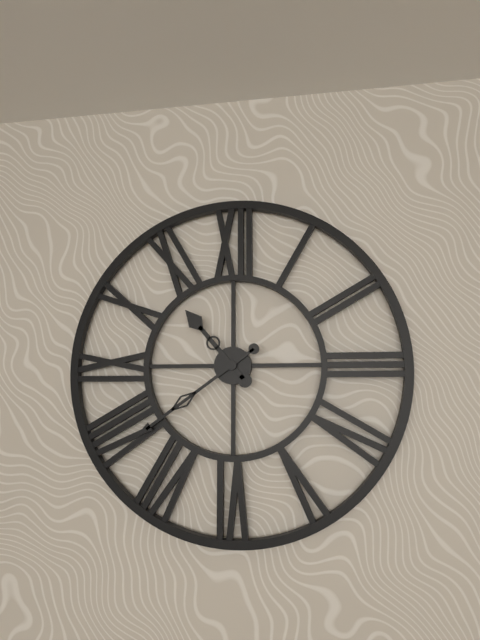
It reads **10:39**
